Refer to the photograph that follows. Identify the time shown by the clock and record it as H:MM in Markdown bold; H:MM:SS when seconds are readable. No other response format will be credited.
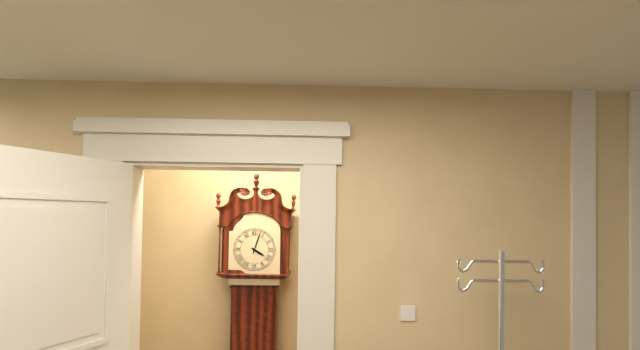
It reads **4:03**
